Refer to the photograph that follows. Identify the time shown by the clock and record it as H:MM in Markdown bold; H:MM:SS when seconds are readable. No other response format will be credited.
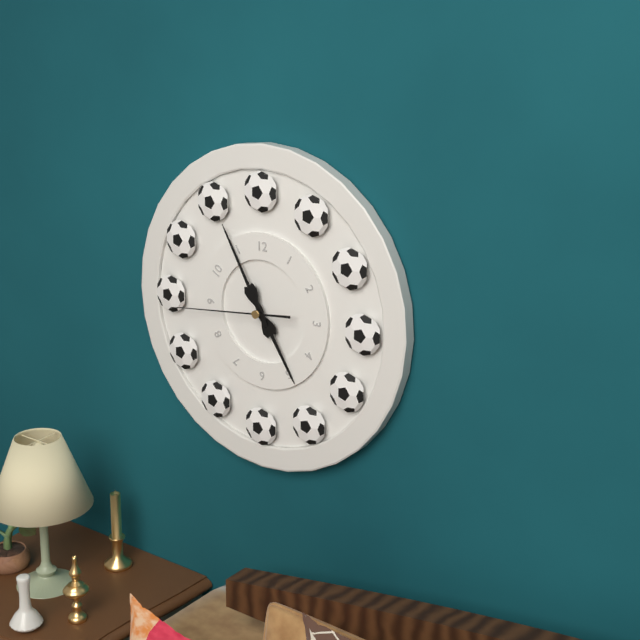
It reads **4:55:44**
